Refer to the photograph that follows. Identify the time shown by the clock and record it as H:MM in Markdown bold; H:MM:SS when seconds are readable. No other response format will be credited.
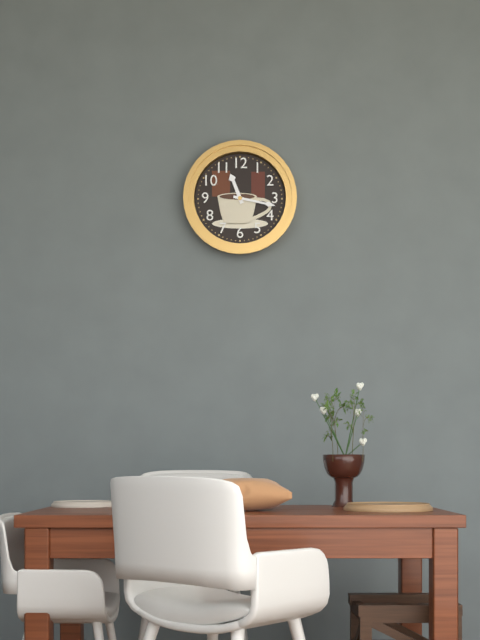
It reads **11:17**
